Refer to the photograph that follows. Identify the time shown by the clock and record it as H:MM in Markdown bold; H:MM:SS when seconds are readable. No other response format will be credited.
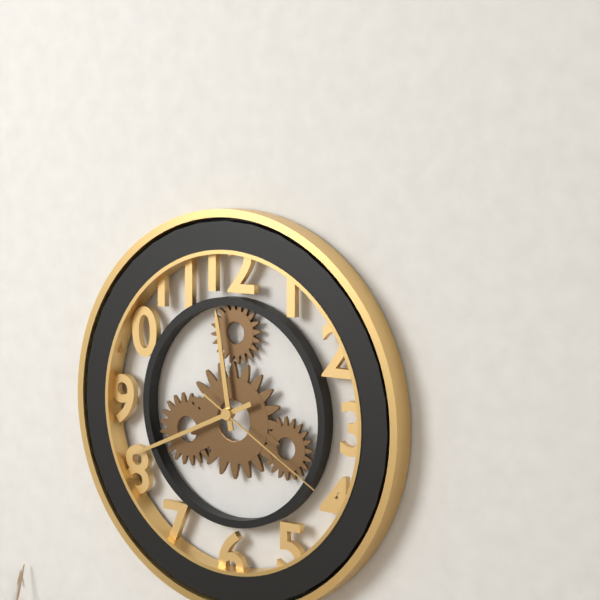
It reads **11:41:20**
